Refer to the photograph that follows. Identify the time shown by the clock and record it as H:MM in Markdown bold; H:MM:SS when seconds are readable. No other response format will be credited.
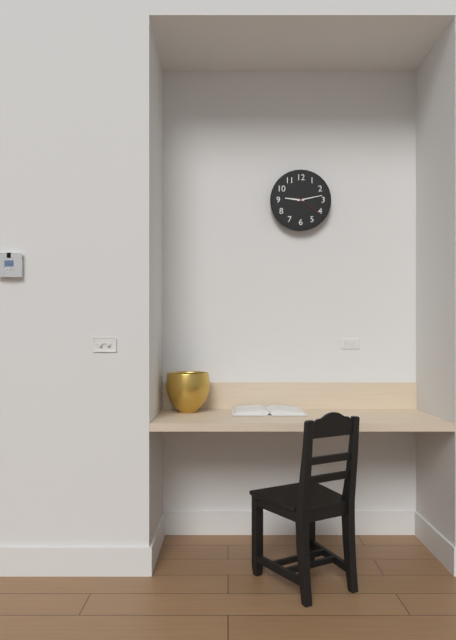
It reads **9:13**
